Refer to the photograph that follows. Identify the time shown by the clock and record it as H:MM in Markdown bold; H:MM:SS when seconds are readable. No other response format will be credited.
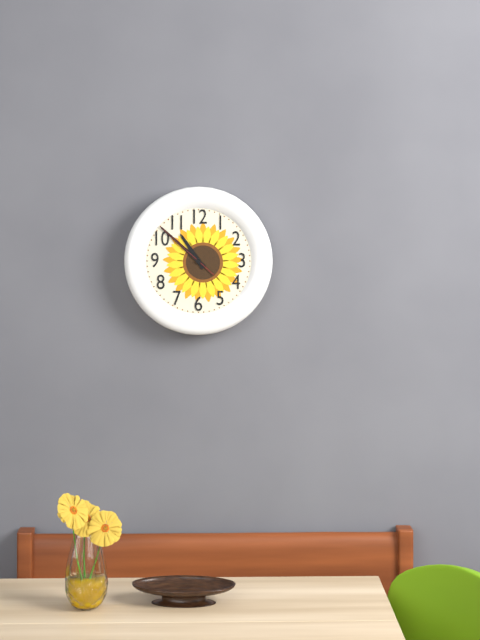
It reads **10:52:52**
